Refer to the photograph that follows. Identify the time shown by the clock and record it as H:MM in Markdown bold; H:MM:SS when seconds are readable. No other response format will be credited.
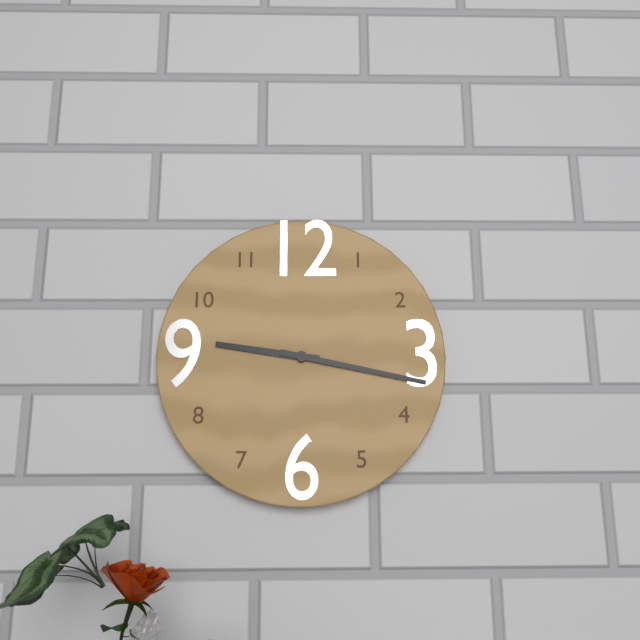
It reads **9:17**
